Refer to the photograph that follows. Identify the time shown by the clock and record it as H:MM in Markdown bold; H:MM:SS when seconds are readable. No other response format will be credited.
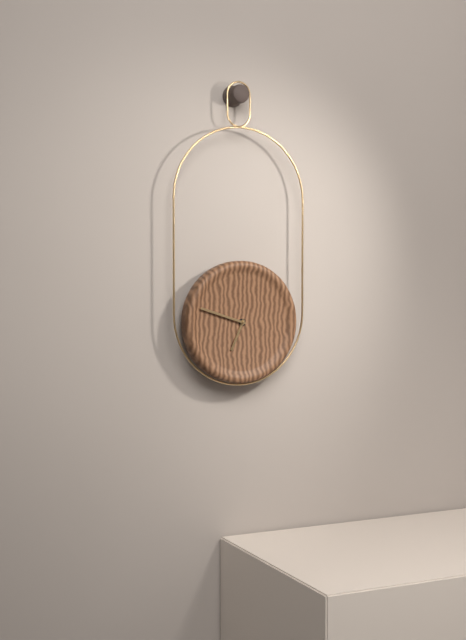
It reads **6:48**
